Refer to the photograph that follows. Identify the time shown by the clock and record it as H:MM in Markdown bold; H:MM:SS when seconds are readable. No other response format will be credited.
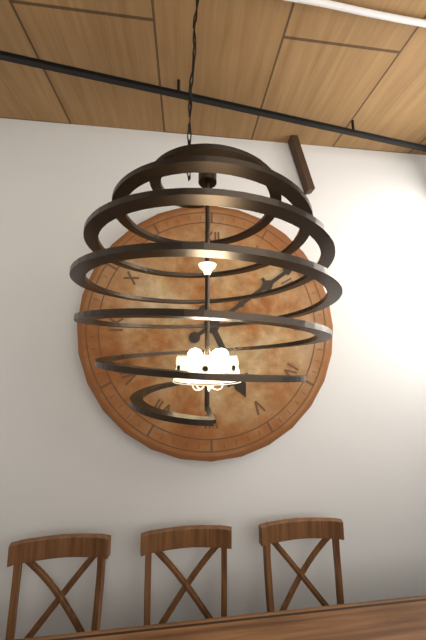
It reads **5:09**
